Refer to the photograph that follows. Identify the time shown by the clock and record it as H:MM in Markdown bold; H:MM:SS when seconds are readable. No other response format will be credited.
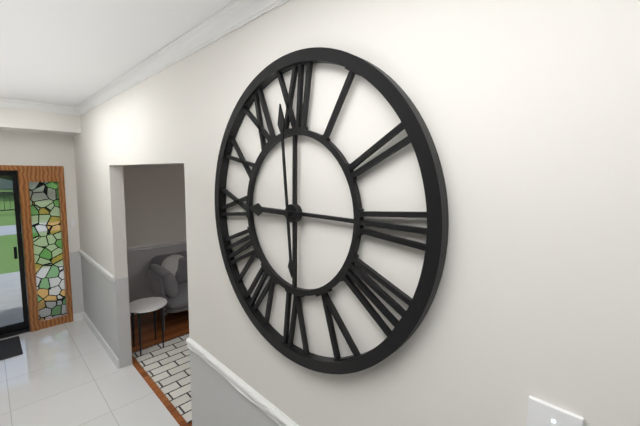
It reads **8:59**
